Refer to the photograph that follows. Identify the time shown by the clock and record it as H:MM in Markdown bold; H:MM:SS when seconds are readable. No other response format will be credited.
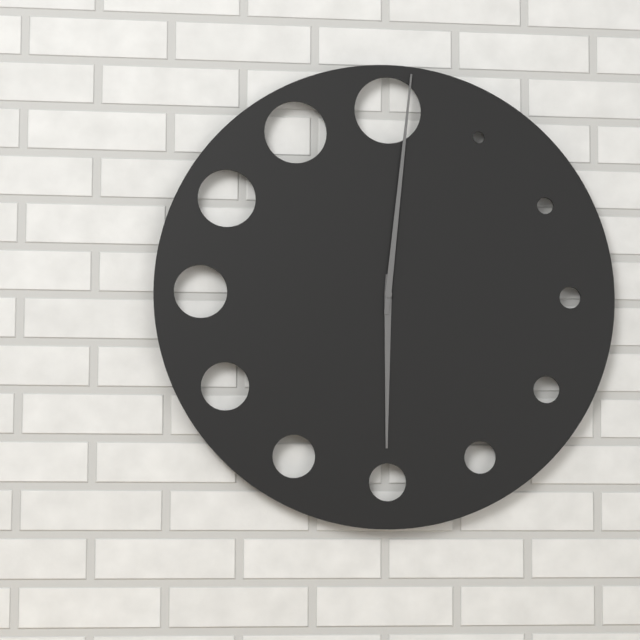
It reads **6:01**
